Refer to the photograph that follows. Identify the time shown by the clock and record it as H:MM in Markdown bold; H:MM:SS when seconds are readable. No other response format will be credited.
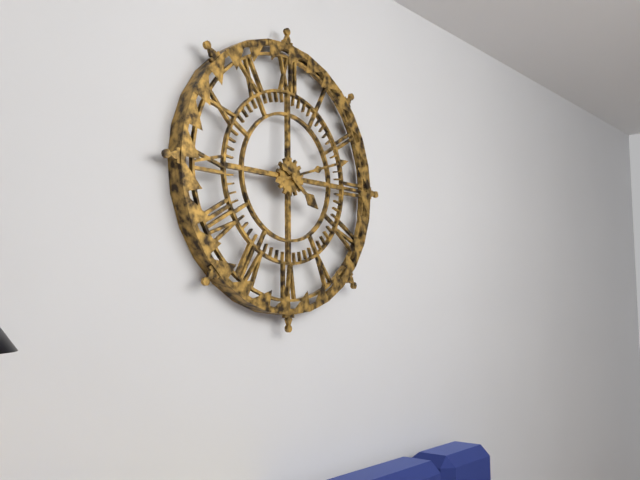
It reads **4:12**
